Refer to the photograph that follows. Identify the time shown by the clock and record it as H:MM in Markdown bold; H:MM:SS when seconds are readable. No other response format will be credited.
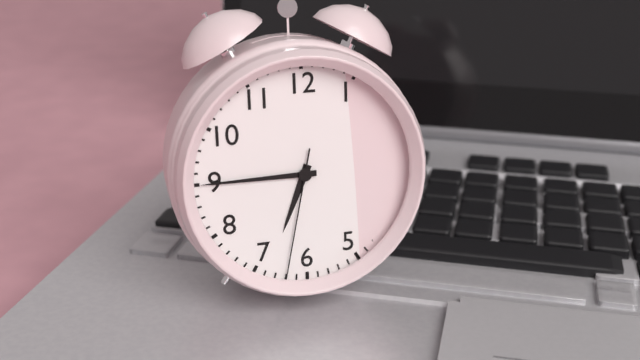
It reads **6:45:32**
